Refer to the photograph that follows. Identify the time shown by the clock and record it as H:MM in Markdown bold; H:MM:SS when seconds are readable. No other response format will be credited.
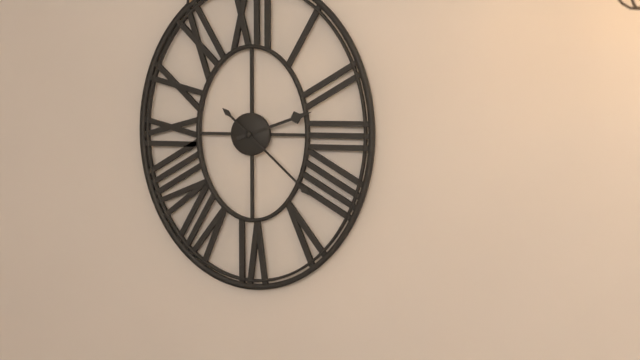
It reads **2:22**
